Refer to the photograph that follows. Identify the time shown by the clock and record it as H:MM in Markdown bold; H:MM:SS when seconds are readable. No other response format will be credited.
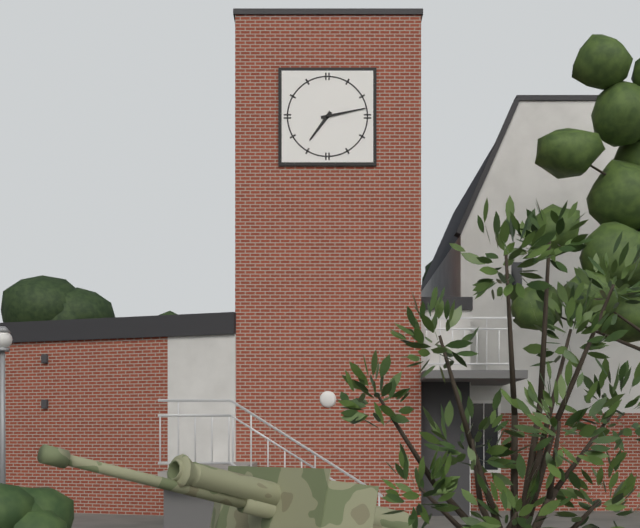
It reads **7:13**
